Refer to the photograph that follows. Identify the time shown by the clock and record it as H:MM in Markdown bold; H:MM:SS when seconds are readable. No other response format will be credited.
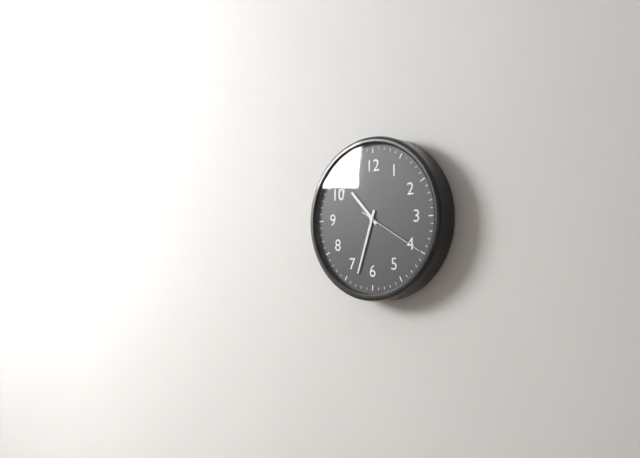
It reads **10:33:20**
